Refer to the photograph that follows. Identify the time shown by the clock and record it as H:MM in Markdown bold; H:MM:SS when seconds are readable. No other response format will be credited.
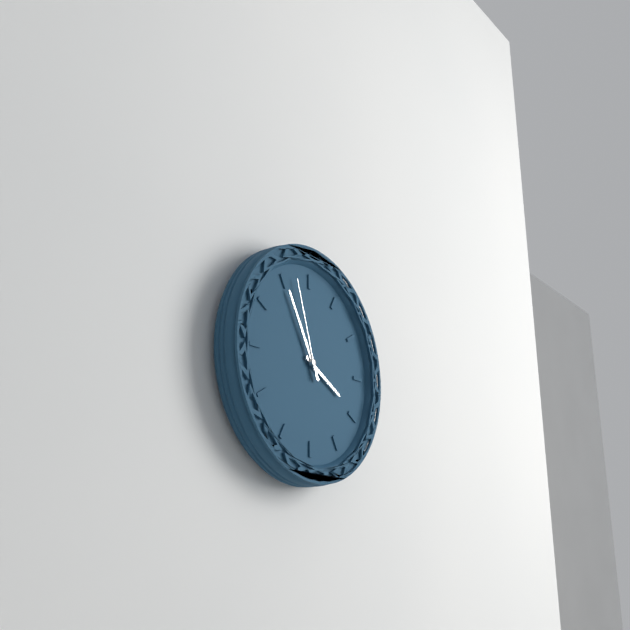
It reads **3:55:57**
